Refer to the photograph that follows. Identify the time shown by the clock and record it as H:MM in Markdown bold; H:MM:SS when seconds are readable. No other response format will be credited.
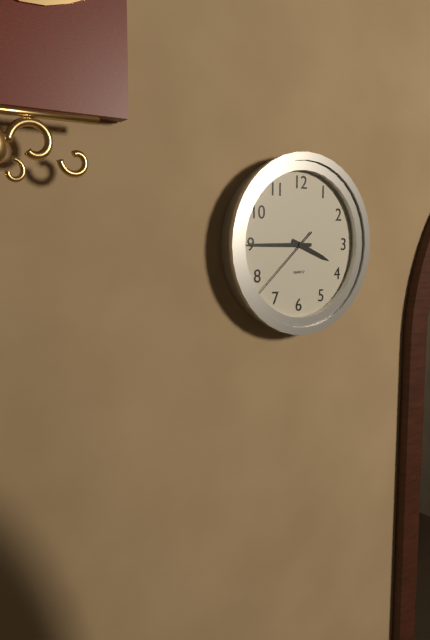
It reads **3:45:38**
